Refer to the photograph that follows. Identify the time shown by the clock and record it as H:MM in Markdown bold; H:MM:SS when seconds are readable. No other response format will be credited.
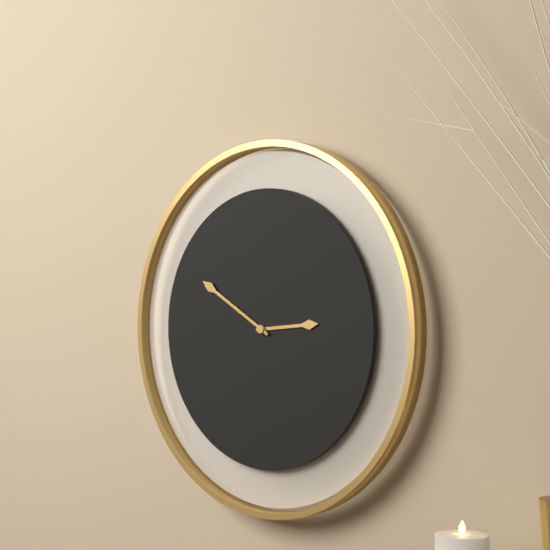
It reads **2:50**
